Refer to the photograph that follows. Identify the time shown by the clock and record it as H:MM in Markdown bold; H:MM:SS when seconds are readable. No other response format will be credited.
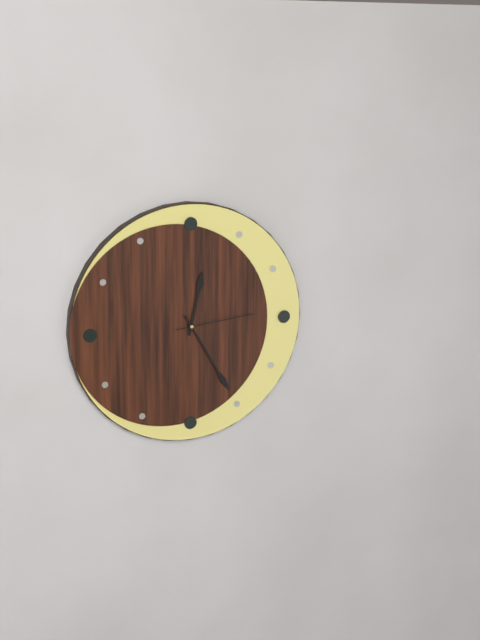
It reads **12:25:14**
